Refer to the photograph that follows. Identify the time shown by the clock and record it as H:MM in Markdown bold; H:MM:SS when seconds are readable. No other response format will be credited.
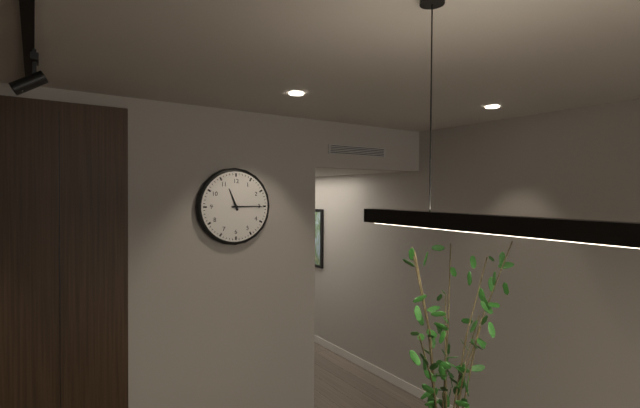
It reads **11:15**
